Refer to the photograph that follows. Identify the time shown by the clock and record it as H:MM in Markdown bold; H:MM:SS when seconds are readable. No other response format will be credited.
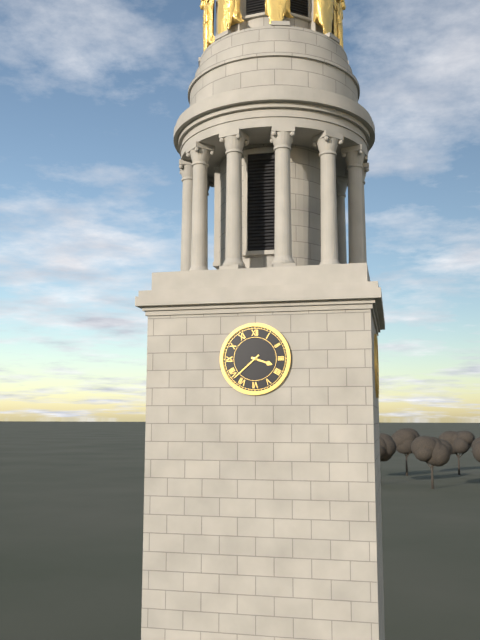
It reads **3:38**
